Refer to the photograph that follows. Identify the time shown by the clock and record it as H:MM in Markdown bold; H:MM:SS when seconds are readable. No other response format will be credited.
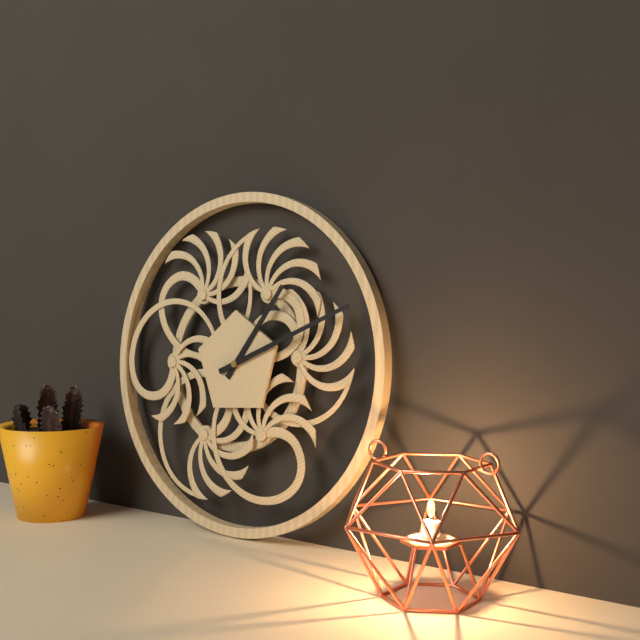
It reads **1:11**
